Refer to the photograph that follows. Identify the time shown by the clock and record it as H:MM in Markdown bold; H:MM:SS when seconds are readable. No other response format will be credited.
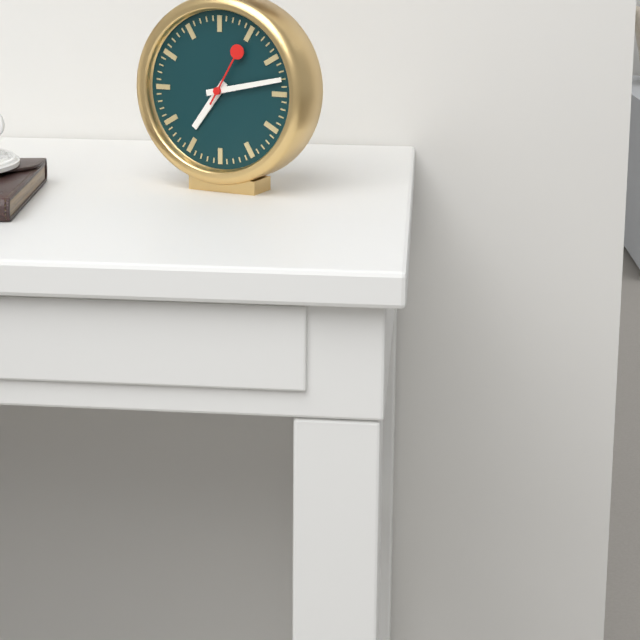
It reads **7:13:05**
